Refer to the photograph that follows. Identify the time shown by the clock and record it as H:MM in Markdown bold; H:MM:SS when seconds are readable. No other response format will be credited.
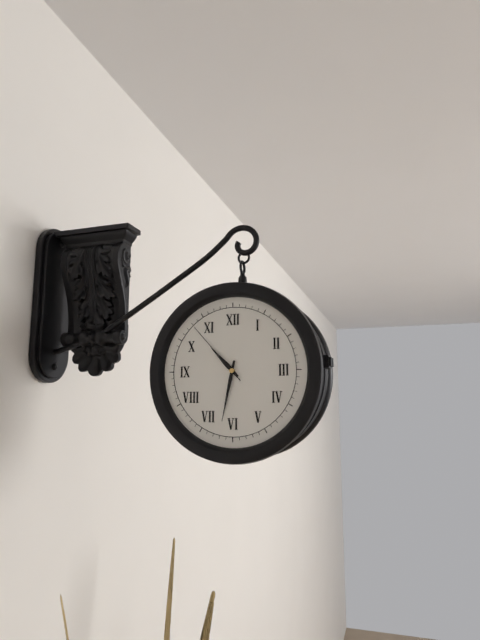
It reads **10:32:53**
